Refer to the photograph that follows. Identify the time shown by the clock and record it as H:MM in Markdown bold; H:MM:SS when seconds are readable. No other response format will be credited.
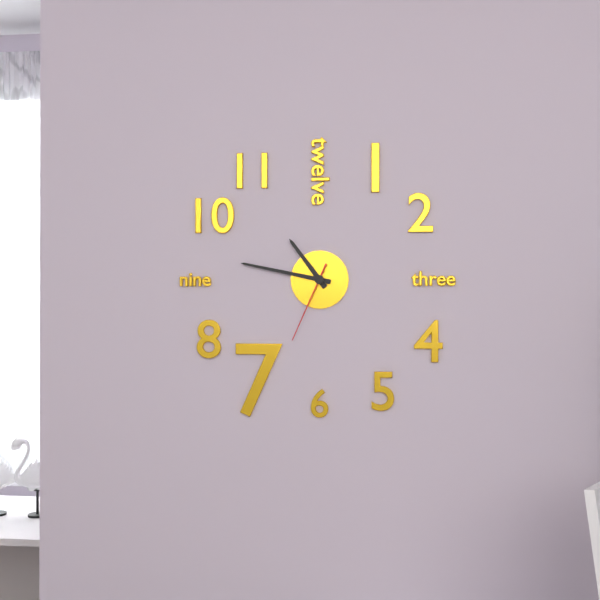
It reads **10:47:34**
